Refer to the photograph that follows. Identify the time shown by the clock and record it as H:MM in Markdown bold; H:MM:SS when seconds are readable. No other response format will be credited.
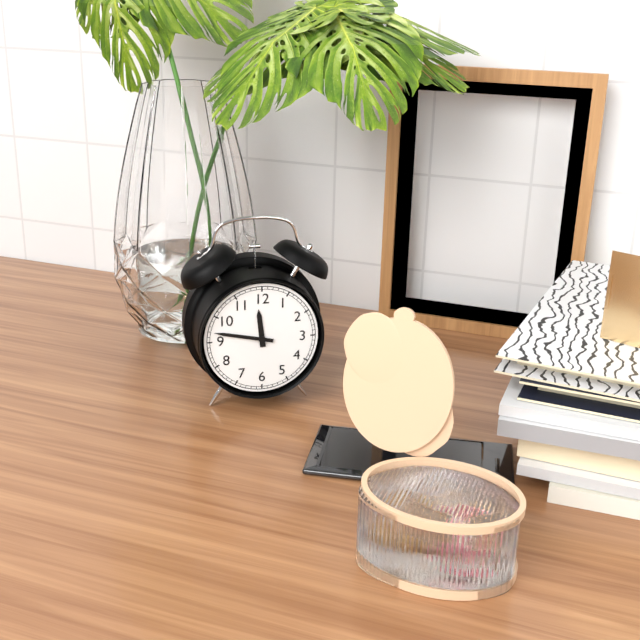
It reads **11:47**
